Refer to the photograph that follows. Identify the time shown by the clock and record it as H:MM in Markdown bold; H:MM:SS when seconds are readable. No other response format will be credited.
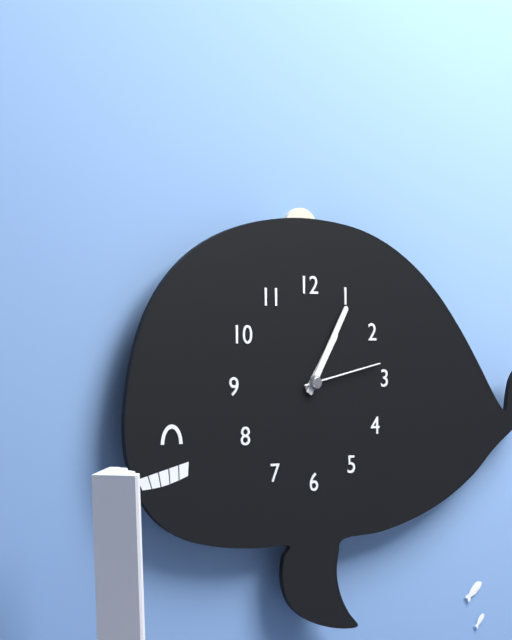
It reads **1:05:13**
